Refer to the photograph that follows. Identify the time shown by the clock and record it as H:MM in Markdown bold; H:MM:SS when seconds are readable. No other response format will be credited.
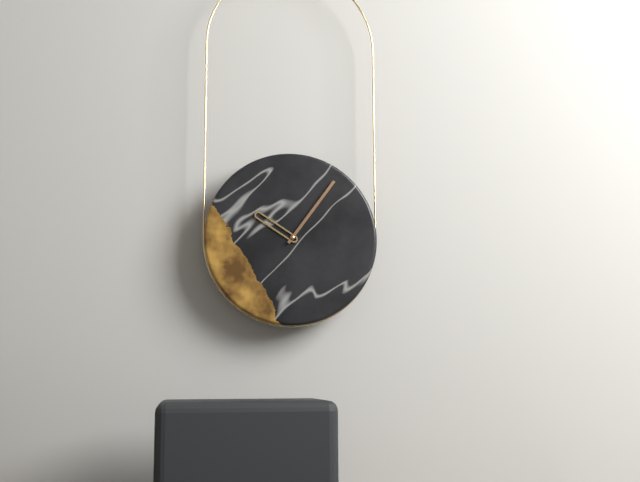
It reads **10:06**
